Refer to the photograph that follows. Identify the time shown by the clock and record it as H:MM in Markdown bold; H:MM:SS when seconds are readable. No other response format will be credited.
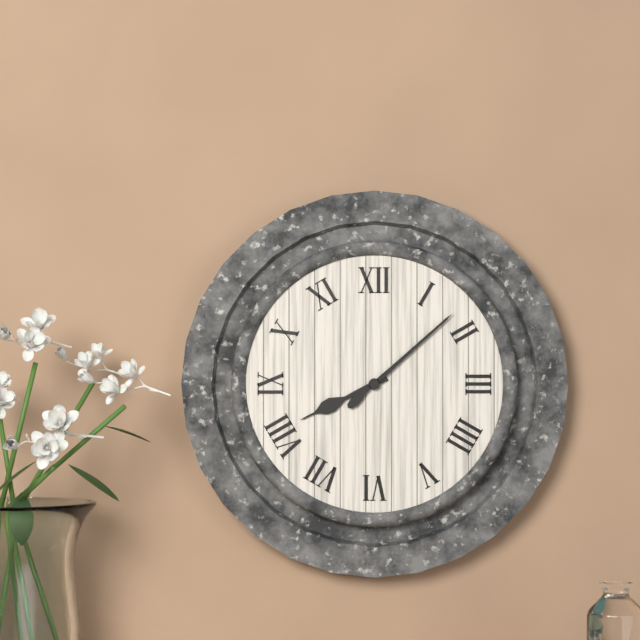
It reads **8:08**
